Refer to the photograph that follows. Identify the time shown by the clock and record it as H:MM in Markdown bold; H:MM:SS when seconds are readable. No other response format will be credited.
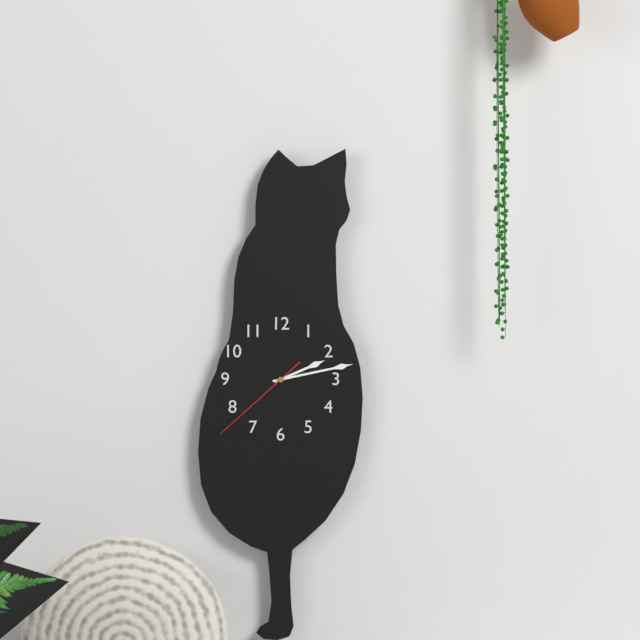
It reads **2:13:38**
